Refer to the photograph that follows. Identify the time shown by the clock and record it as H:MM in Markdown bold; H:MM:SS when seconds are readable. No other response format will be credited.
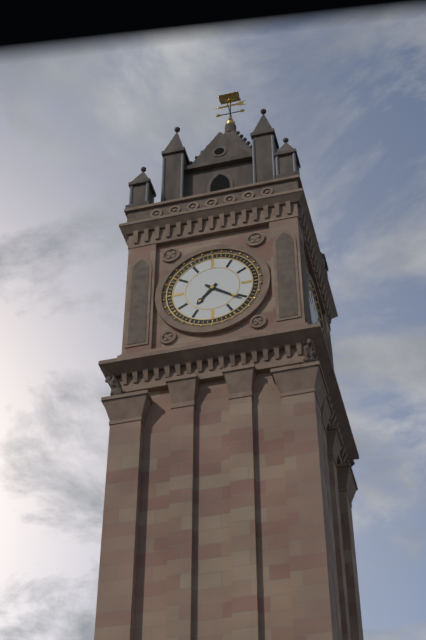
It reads **7:21**
